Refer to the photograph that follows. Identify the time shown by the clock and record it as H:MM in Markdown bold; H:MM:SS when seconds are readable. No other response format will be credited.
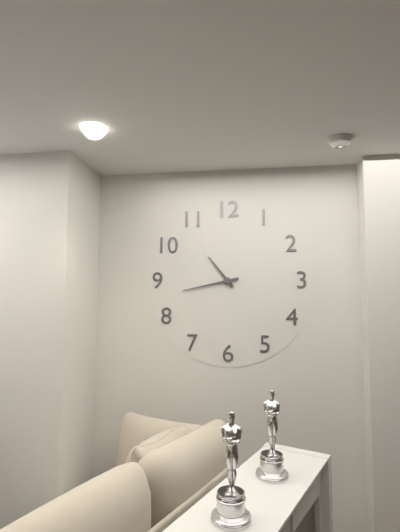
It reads **10:43**
